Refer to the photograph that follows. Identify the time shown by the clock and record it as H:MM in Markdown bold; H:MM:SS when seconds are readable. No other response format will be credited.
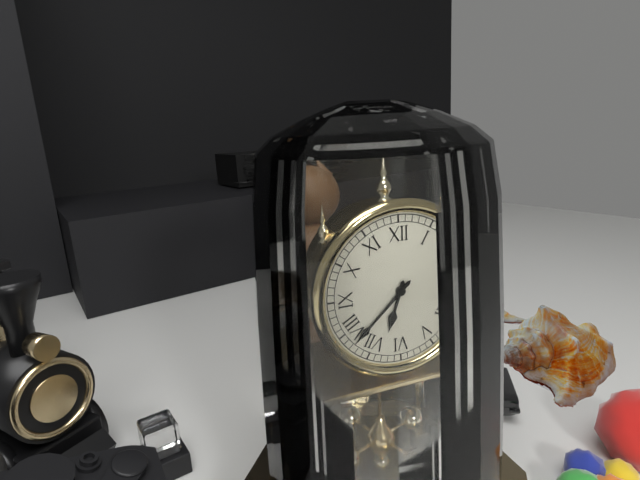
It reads **6:38**
